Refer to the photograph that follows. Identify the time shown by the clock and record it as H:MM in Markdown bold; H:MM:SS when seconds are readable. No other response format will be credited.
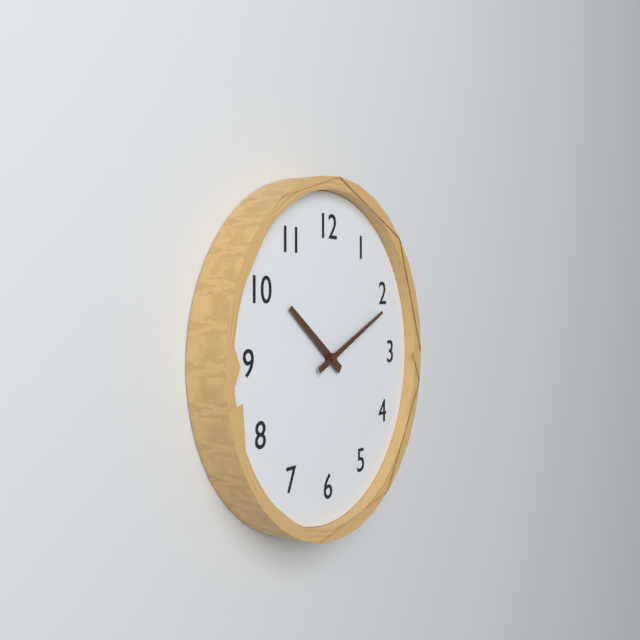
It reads **10:11**
